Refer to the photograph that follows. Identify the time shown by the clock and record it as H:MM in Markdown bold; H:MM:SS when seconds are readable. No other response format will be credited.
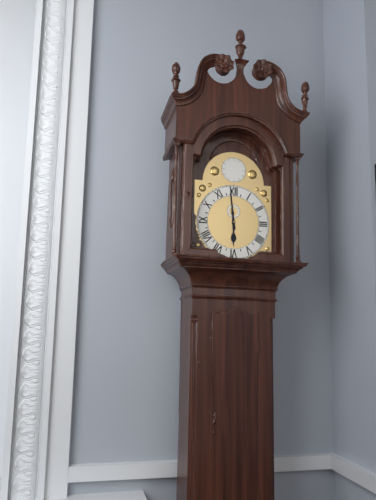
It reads **5:59**
